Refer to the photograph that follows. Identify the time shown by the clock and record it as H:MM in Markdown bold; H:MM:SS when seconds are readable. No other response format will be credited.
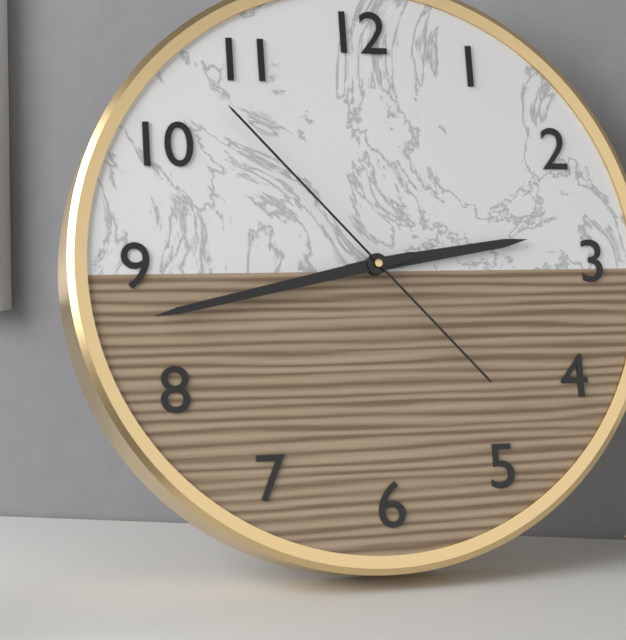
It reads **2:43:53**
